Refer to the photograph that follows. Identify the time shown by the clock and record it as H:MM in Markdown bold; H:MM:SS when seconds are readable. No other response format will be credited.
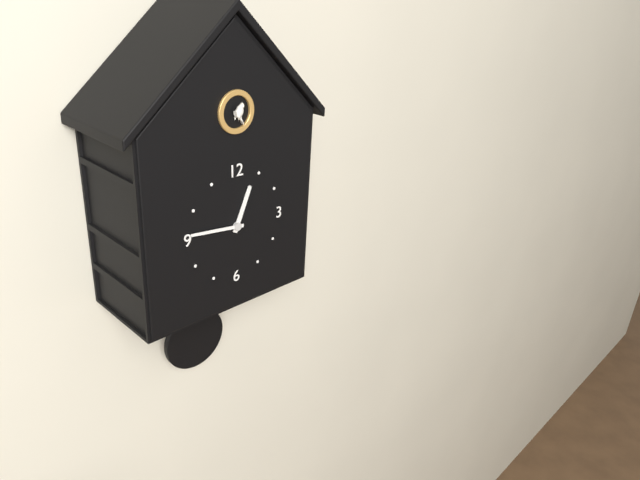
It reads **12:46**
